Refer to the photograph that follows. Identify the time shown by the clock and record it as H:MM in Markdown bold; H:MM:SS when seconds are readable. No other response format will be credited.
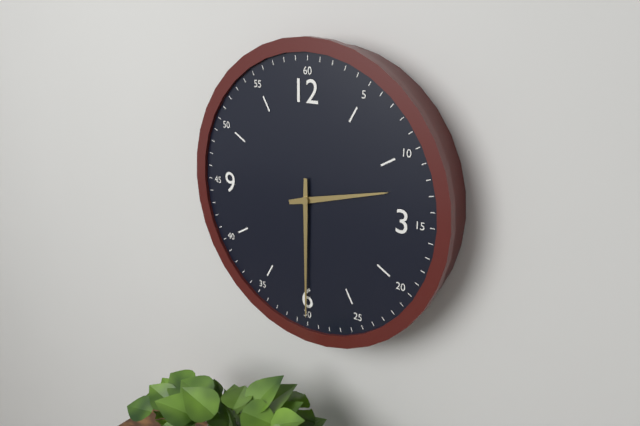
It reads **2:30**
